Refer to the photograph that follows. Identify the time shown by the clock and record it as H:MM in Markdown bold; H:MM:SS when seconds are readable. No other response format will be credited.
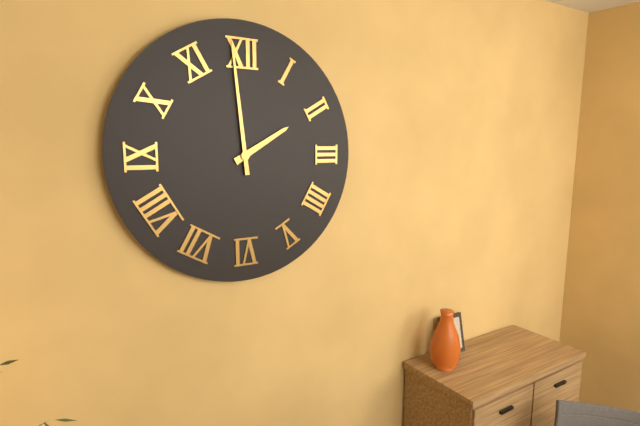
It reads **1:59**
